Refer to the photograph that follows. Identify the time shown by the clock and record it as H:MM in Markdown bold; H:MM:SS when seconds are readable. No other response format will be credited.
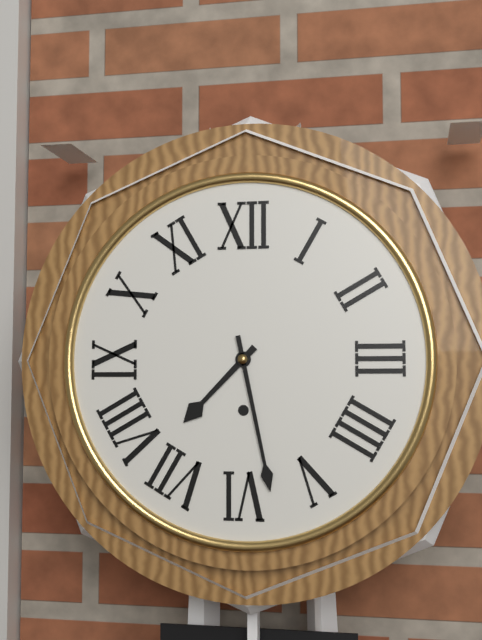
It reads **7:28**
